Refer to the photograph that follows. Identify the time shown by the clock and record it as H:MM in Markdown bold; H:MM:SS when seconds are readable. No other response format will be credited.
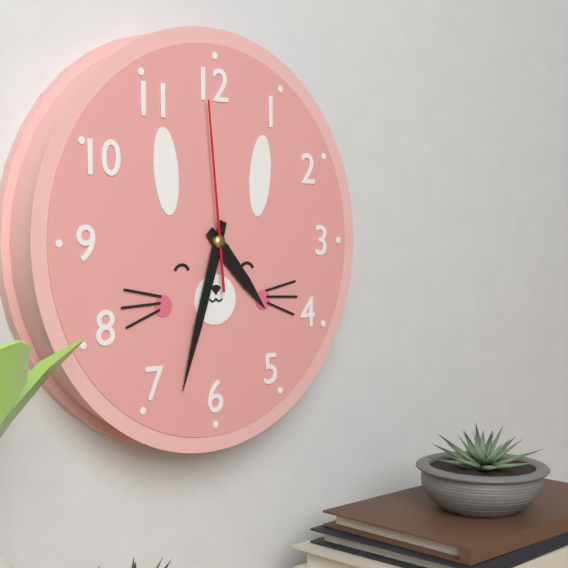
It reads **4:33:59**
